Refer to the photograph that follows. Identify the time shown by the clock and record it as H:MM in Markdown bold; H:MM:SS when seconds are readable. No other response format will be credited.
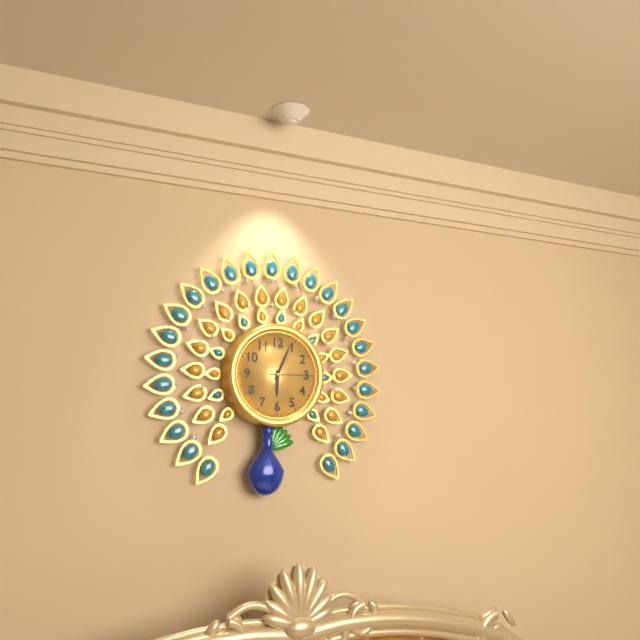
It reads **6:04**
